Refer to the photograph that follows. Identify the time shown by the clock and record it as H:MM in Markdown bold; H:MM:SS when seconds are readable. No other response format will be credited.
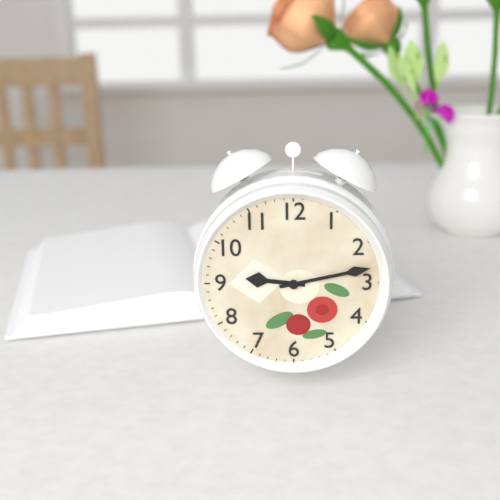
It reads **9:13**
